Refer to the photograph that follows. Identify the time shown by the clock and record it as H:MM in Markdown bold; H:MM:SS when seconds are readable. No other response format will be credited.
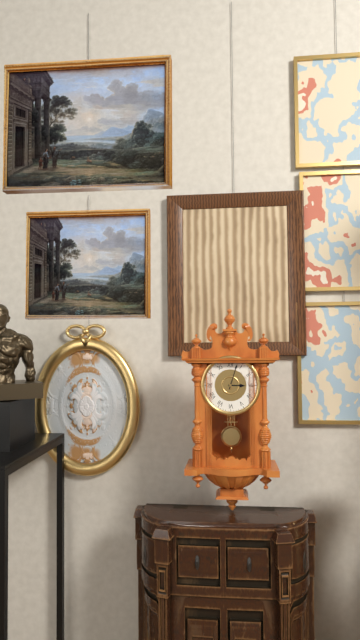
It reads **3:03**
